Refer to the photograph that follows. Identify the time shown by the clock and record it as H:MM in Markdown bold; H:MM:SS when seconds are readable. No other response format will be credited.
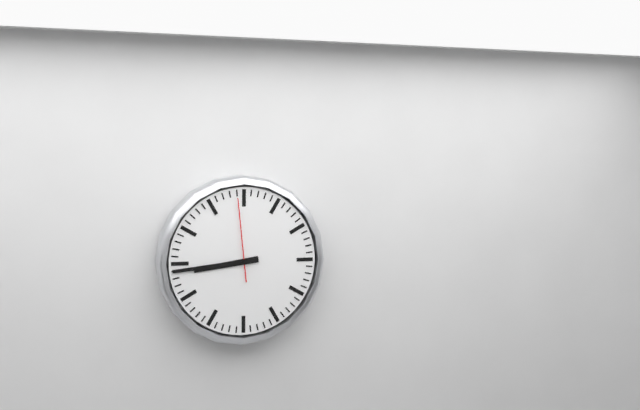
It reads **8:44:59**
